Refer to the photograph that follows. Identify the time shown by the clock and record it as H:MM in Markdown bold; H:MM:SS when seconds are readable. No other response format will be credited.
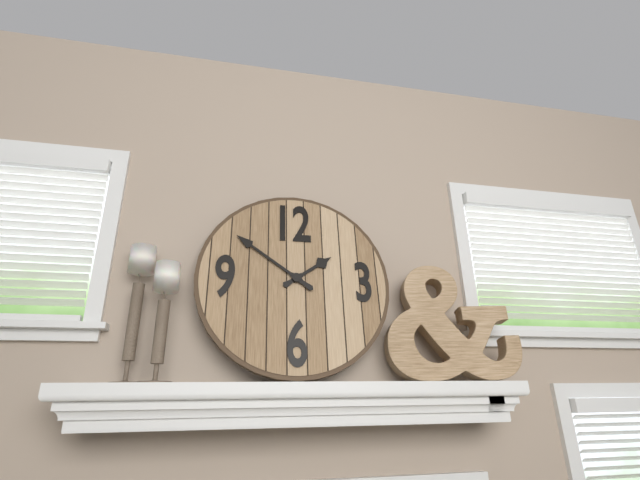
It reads **1:51**
